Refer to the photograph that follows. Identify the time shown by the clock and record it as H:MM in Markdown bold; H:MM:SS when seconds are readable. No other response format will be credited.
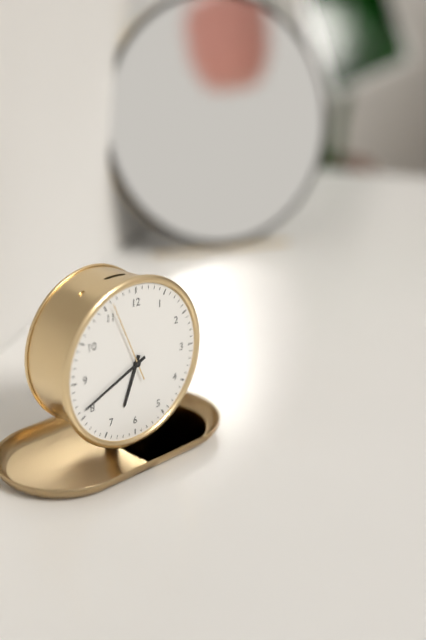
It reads **6:41:56**
